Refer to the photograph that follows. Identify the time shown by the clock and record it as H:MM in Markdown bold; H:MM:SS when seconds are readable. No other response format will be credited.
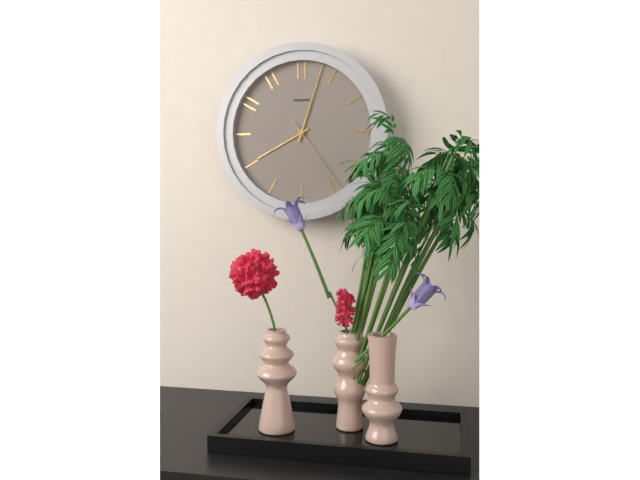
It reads **8:03:24**
